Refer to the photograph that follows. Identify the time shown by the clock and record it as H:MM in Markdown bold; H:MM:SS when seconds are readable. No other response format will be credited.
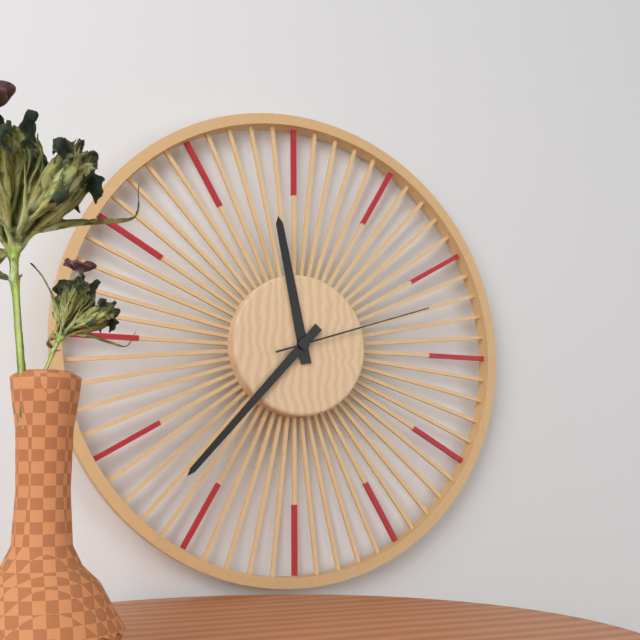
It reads **11:37:12**
